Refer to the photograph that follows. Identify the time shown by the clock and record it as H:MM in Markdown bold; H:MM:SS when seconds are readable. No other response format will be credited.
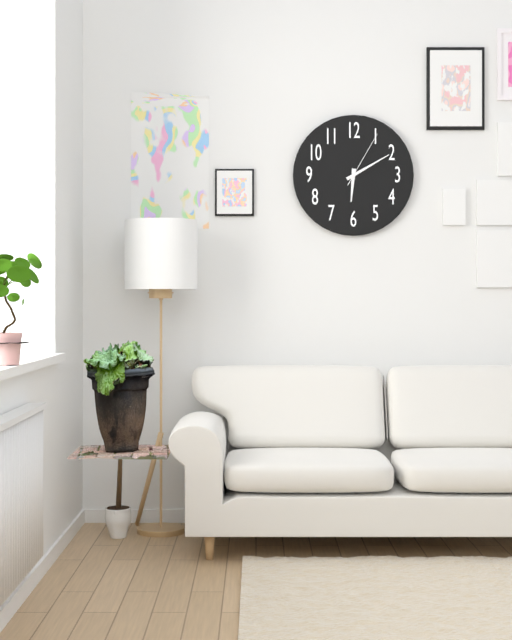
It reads **6:10:05**
